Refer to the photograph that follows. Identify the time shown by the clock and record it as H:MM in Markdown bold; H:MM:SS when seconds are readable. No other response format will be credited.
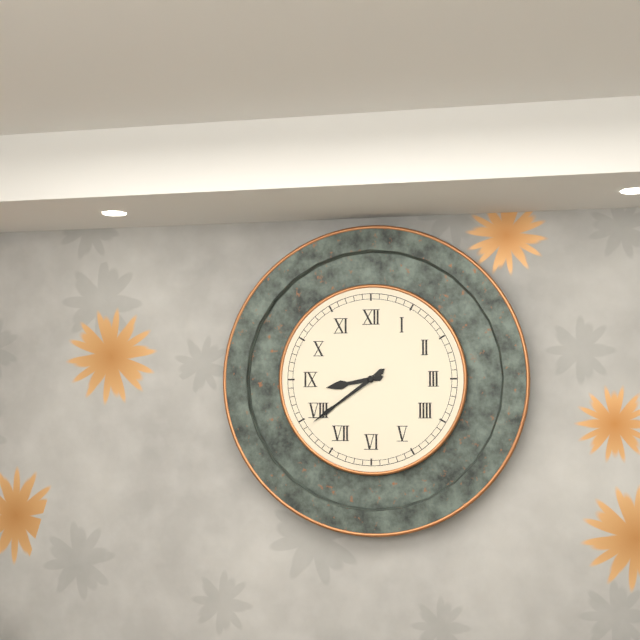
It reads **8:39**
